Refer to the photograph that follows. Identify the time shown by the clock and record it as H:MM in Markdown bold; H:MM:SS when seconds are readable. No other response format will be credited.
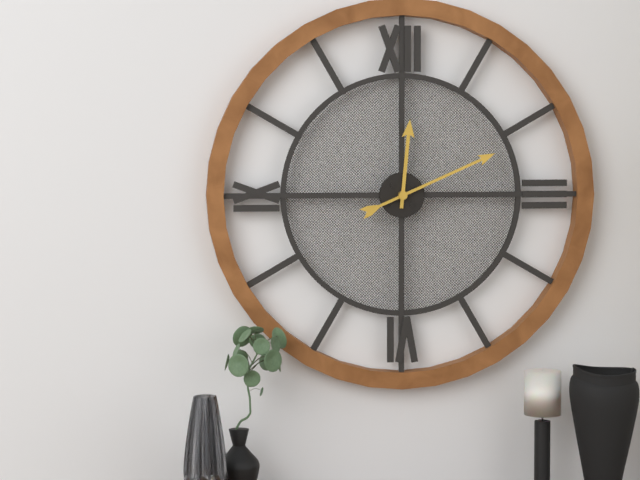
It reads **12:11**
